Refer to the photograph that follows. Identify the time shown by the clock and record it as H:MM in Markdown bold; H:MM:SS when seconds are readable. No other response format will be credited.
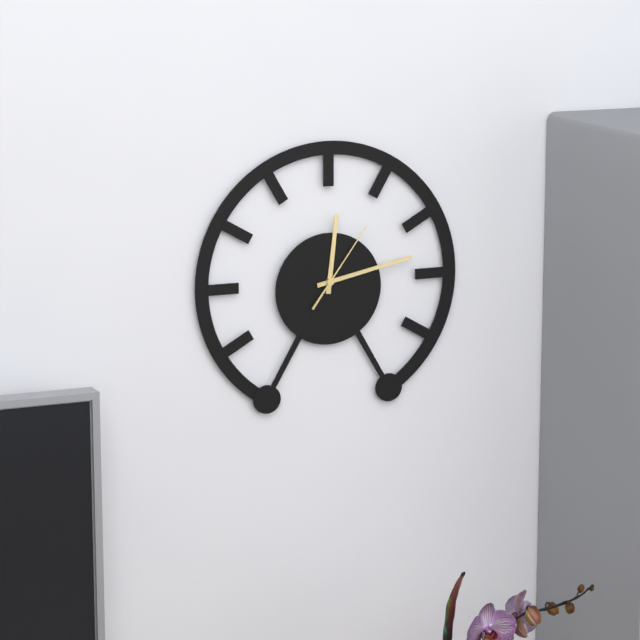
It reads **12:13:06**
